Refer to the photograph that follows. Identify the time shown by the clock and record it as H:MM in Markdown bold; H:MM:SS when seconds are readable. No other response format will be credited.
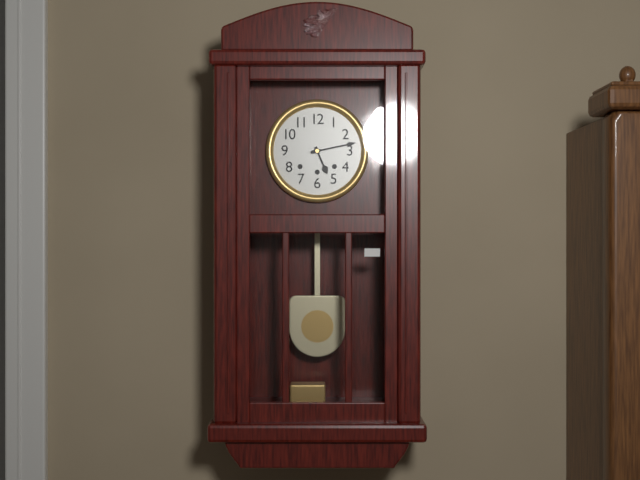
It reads **5:13**
